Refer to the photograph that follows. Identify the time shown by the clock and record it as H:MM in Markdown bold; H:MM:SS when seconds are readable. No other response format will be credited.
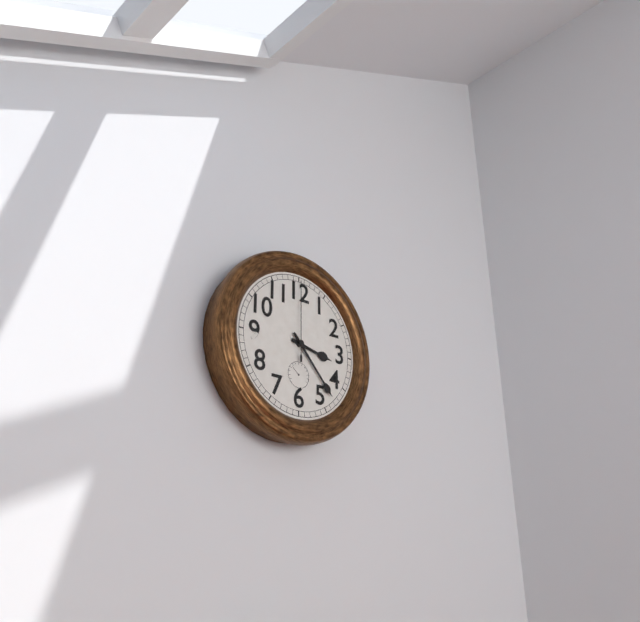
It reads **3:23:00**
